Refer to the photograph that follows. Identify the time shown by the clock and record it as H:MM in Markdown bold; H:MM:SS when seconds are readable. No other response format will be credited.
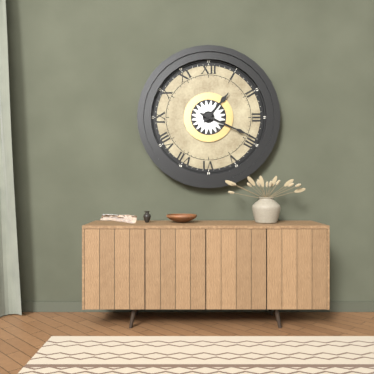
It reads **1:19**
